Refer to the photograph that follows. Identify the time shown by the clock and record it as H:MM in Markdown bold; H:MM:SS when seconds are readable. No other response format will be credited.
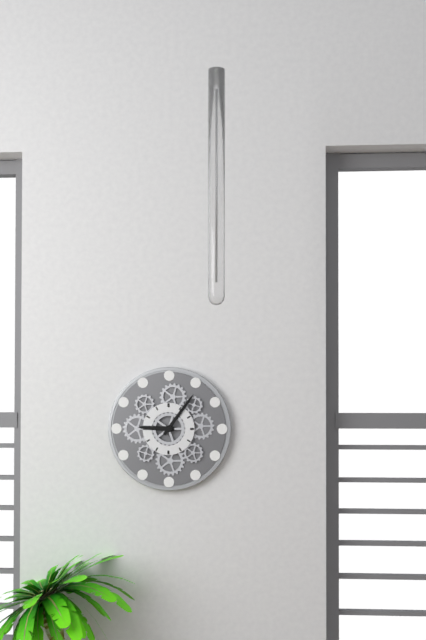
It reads **9:06**
